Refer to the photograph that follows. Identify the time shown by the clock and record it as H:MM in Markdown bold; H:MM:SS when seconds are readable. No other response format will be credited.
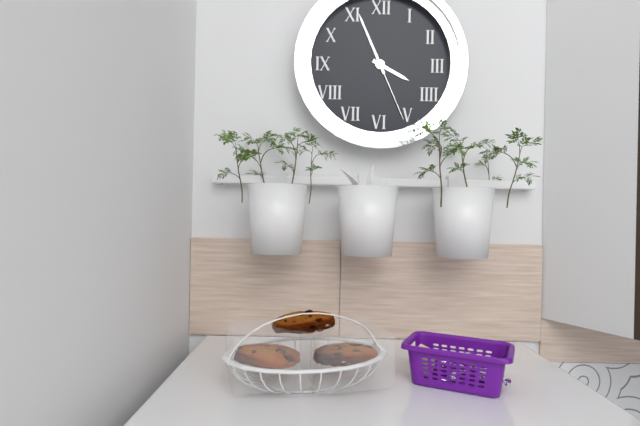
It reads **3:56:26**
